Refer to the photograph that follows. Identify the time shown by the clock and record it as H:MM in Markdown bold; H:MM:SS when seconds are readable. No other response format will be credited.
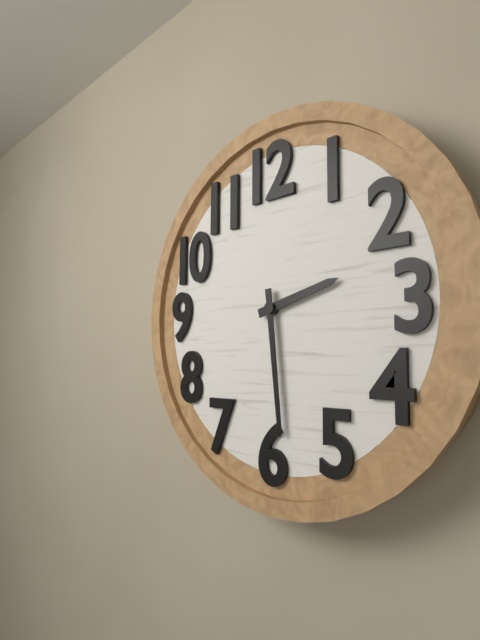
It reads **2:29**
